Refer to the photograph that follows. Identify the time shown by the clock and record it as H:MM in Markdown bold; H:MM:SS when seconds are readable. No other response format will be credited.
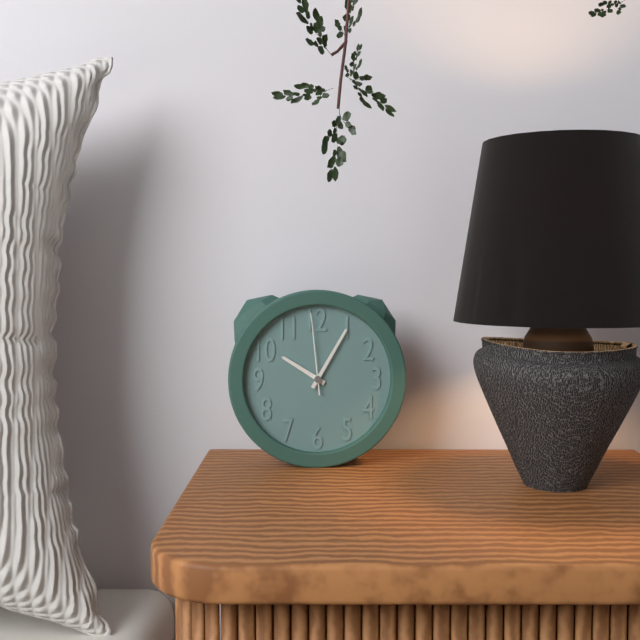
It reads **10:05:59**
